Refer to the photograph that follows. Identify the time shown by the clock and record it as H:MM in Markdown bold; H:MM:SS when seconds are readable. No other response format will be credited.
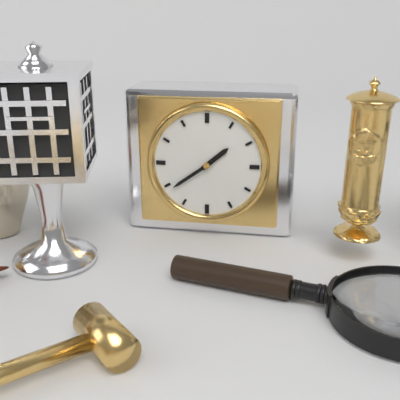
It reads **1:39**
